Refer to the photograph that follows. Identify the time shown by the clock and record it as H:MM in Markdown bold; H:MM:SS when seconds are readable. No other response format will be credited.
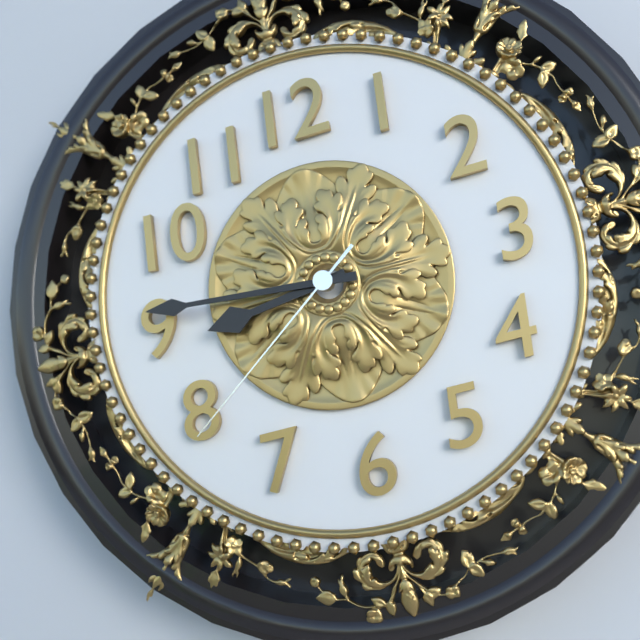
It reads **8:46:39**
